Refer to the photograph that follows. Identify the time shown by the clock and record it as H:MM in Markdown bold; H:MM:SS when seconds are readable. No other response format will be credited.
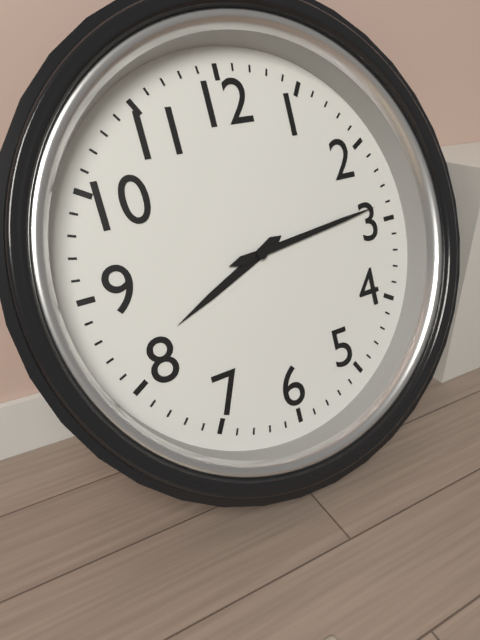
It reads **8:14**
